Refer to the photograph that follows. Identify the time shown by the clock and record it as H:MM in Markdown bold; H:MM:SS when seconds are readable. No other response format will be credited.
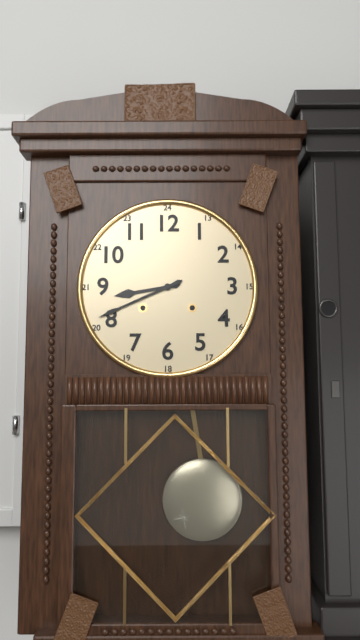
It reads **8:41**
